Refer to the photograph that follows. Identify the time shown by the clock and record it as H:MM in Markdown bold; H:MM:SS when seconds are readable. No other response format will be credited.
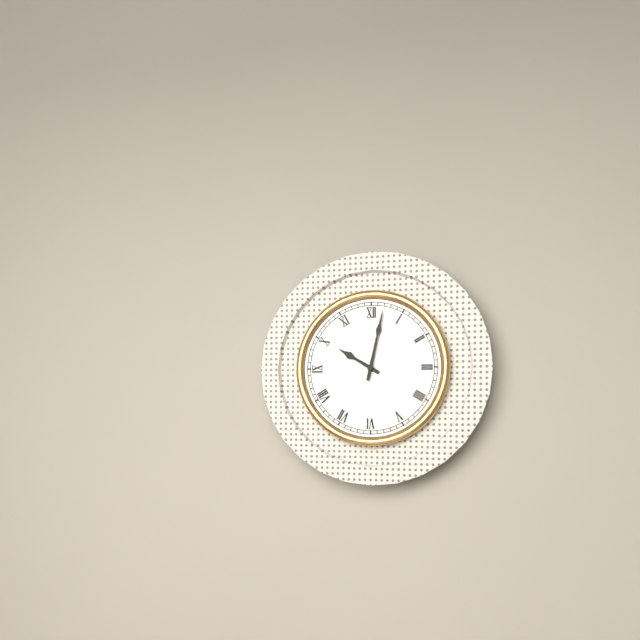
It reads **10:02**
